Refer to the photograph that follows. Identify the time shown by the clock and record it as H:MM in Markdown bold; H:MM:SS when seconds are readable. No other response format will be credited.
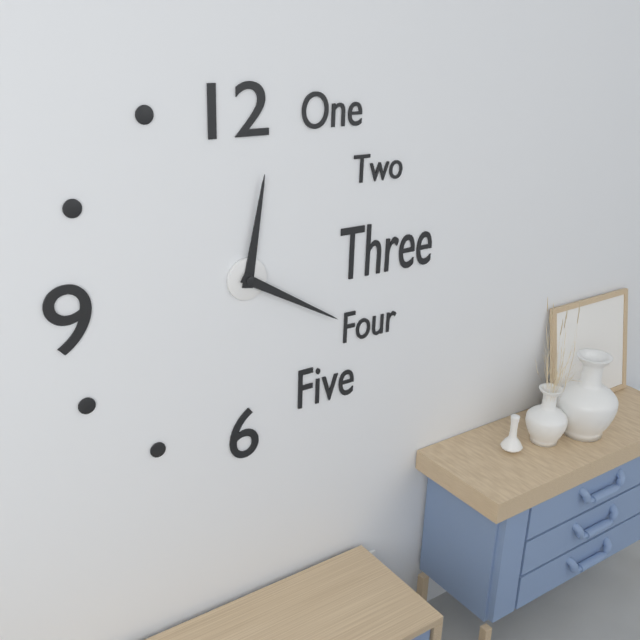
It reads **12:20**
